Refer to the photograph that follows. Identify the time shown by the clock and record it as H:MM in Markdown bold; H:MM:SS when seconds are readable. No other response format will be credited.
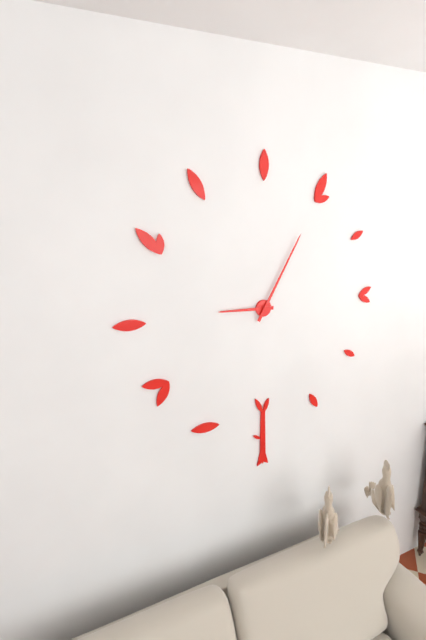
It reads **9:05**
